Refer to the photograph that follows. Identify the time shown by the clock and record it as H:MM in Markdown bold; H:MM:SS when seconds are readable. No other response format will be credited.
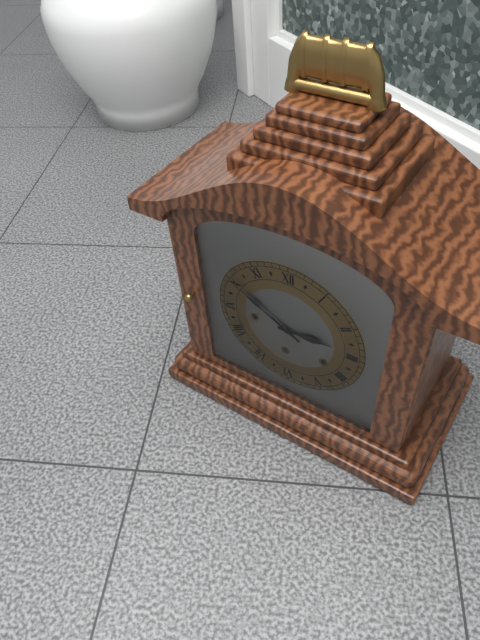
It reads **2:50**
